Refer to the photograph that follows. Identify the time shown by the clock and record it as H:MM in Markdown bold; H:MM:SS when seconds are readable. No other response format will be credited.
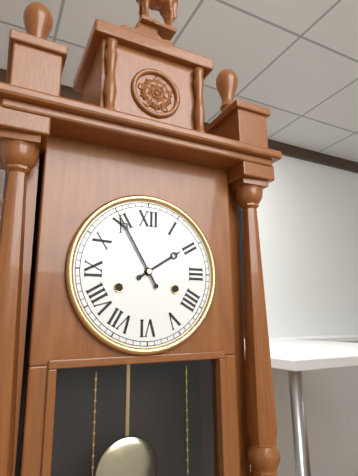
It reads **1:55**
